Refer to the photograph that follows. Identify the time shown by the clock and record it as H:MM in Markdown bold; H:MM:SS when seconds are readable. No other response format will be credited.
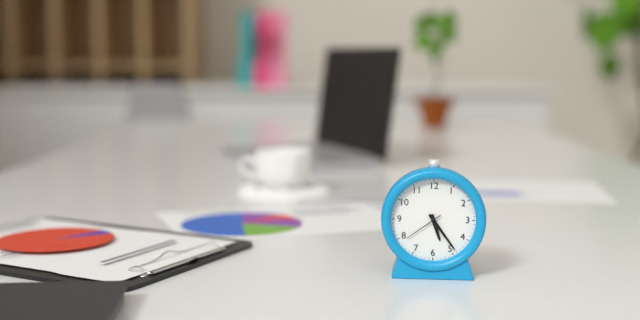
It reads **5:24**
